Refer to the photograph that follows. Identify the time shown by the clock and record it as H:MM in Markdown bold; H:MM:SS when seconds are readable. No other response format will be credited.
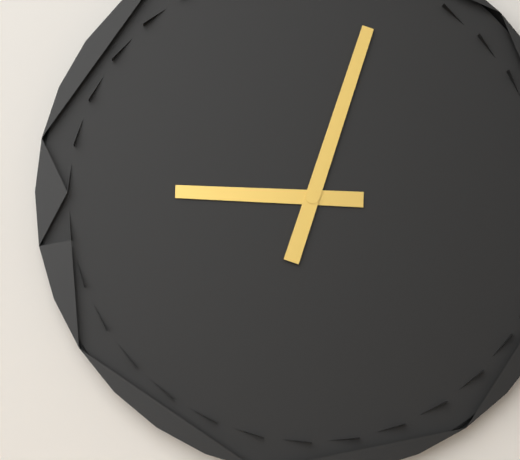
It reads **9:03**
